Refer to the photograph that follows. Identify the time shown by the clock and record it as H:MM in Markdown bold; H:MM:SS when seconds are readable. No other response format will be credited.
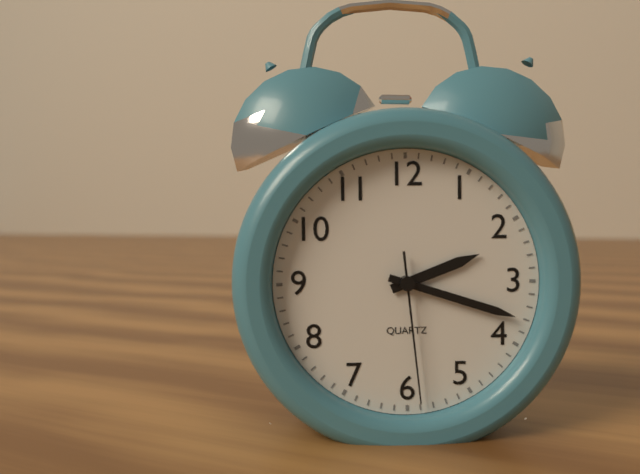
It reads **2:18:29**
